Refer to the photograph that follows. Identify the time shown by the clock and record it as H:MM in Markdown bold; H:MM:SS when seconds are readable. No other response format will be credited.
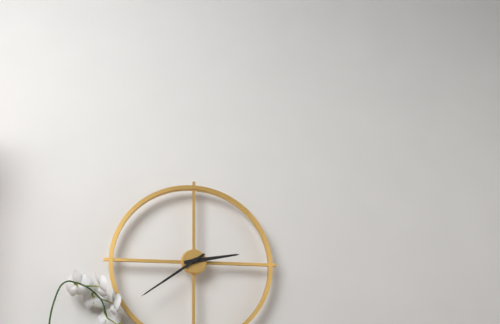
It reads **2:39**
